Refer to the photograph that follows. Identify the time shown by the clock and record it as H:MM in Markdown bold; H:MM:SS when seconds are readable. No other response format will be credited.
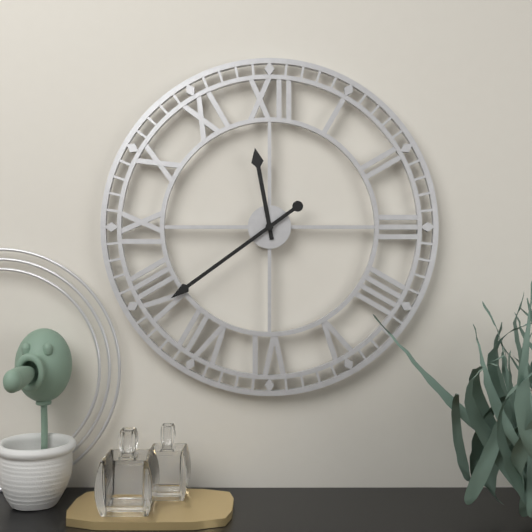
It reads **11:39**
